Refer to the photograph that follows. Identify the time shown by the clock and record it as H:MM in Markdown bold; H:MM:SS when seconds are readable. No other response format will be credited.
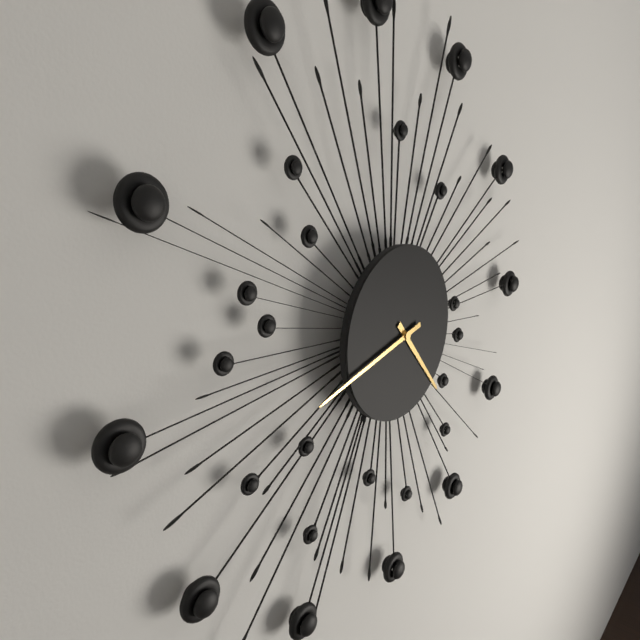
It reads **4:43**
